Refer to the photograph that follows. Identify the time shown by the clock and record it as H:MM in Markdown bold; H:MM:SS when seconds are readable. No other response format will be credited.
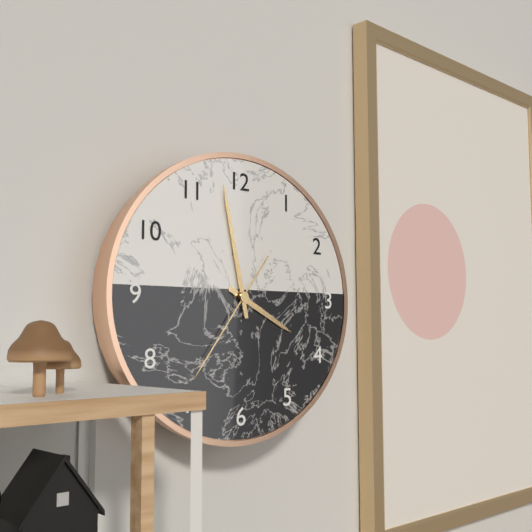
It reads **3:58:36**
